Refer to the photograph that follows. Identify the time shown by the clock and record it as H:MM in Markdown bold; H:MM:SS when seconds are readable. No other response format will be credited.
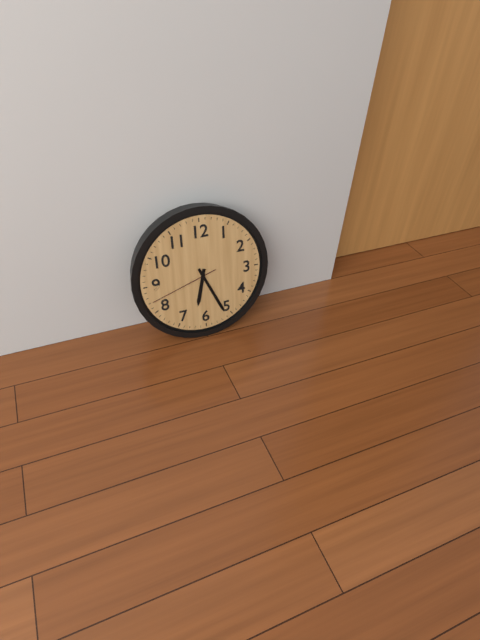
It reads **6:26:42**
